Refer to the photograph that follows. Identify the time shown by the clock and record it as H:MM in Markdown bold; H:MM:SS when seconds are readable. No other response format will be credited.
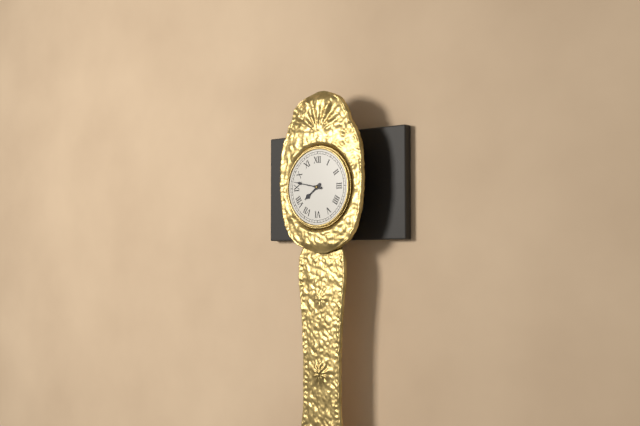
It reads **7:47**
